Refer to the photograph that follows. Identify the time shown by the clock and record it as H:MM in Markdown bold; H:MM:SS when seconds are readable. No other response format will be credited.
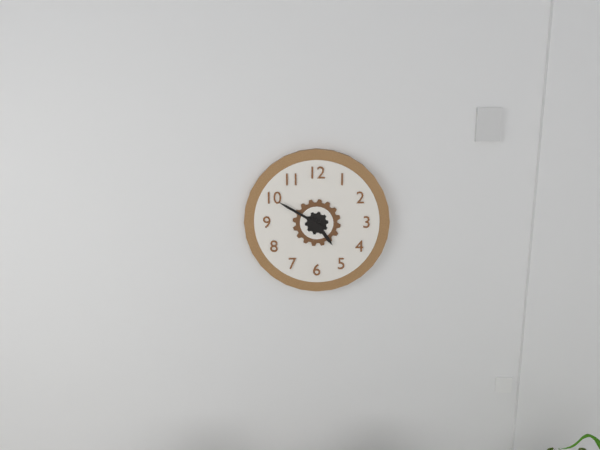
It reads **4:50**
